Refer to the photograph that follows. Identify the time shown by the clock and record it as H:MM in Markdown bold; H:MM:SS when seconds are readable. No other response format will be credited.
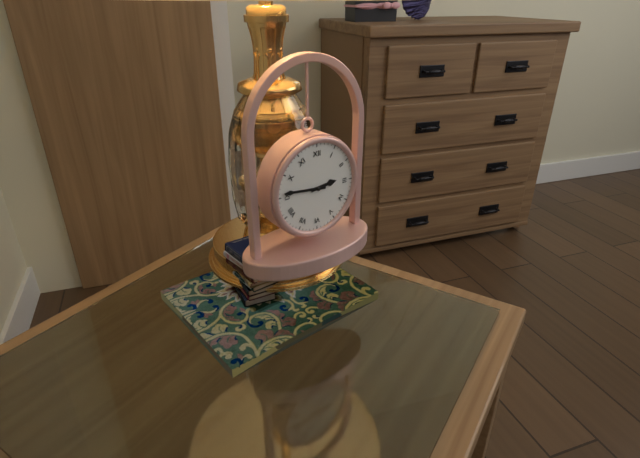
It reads **2:46**
